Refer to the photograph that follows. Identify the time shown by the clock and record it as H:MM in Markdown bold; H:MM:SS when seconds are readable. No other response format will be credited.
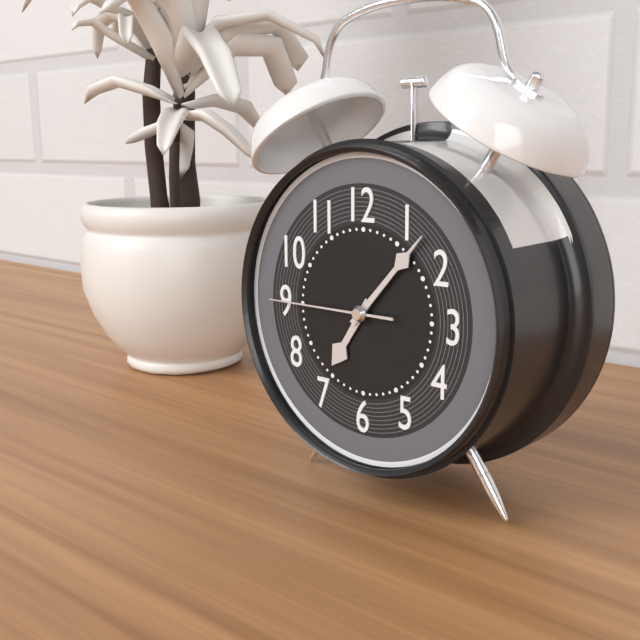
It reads **7:07:45**
